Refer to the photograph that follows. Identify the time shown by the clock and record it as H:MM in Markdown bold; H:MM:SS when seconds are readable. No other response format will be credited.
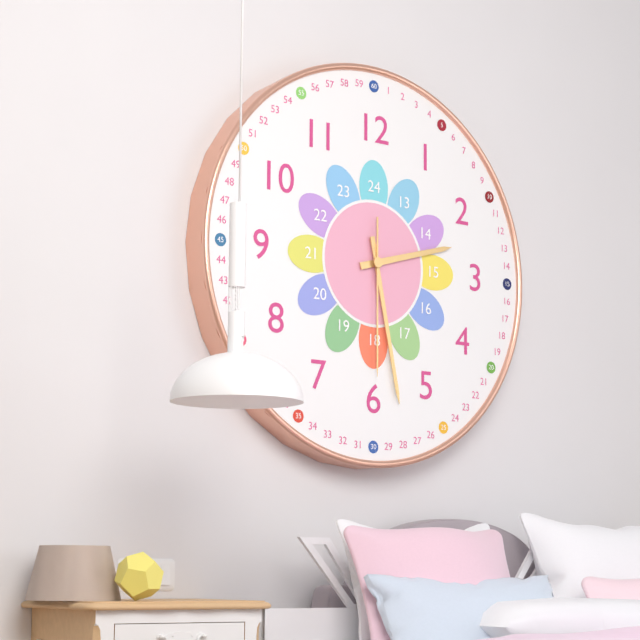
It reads **2:28:30**
